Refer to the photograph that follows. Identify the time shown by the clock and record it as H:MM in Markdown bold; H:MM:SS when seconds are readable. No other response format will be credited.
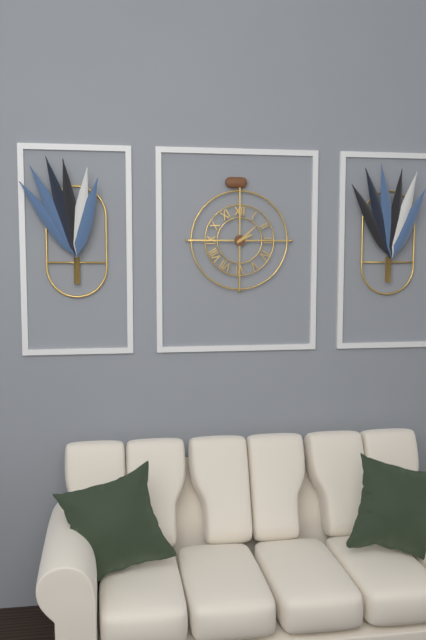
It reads **2:08**
